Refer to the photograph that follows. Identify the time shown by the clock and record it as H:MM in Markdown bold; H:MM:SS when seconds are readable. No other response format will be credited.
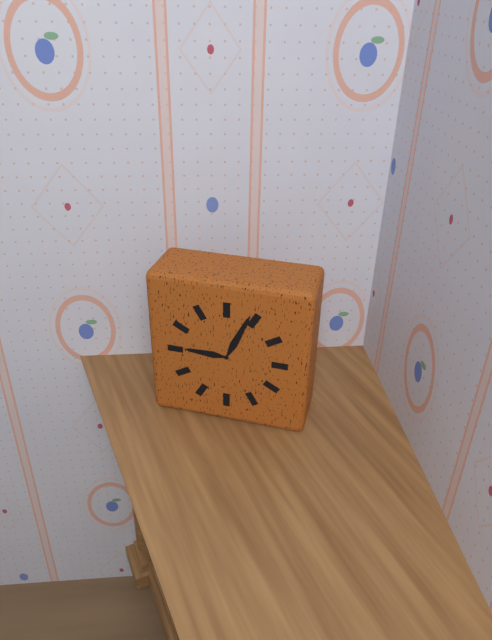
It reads **9:04**
